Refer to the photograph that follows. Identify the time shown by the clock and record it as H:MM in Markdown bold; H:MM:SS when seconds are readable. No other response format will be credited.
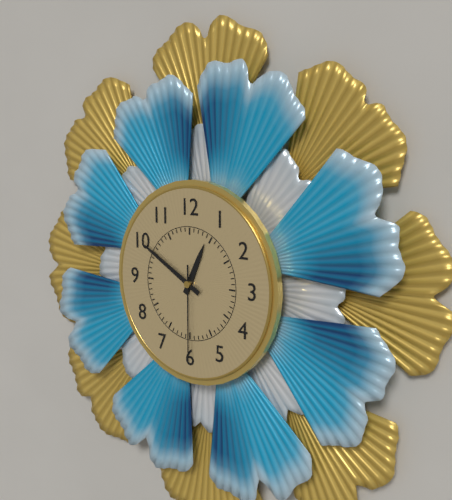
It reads **12:50:30**
